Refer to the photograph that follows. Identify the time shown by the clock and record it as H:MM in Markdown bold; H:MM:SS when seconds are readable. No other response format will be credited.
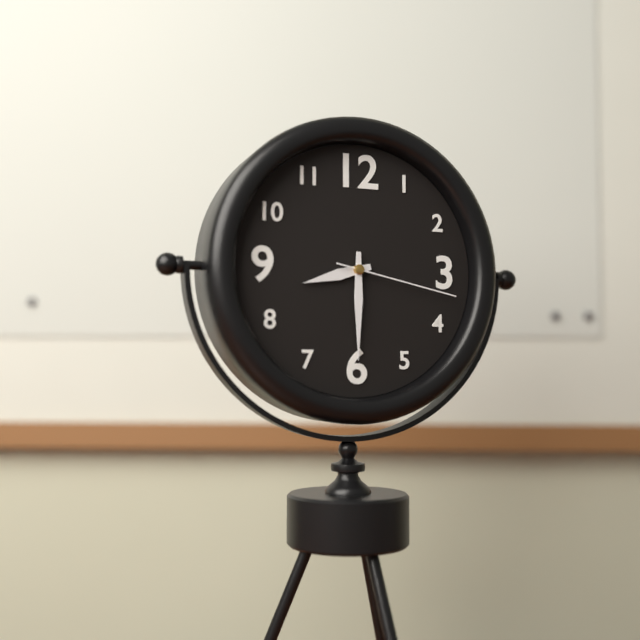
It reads **8:30:17**
